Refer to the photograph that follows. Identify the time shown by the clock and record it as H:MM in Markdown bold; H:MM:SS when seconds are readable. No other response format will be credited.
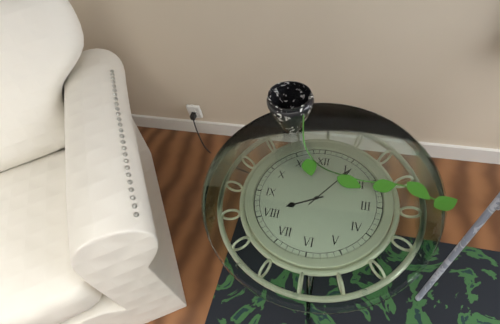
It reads **8:06**
